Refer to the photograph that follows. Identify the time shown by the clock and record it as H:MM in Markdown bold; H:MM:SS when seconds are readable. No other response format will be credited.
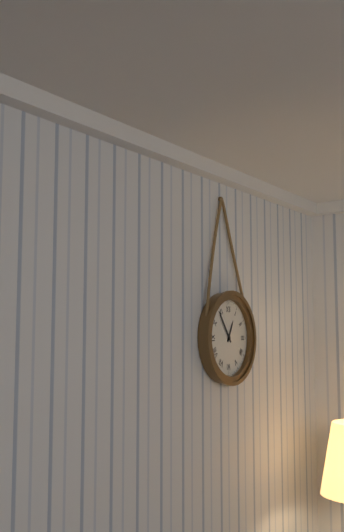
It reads **12:54**
